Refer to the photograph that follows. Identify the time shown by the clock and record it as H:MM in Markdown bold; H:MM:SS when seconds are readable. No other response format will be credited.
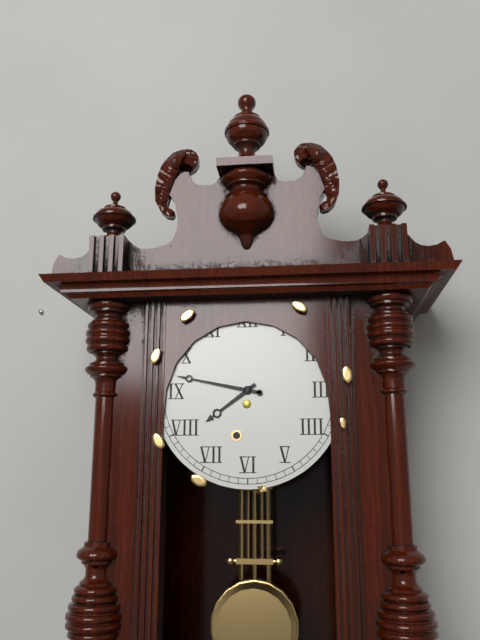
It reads **7:47**
